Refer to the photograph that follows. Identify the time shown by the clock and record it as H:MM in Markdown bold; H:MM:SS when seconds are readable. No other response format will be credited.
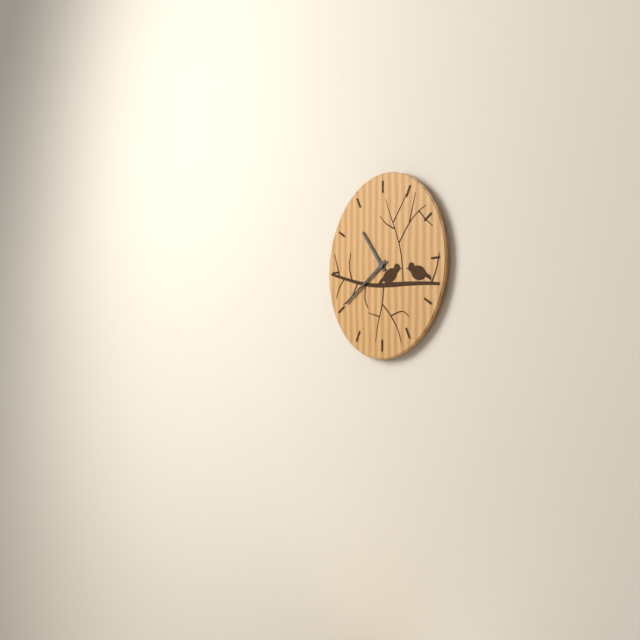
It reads **10:40**
